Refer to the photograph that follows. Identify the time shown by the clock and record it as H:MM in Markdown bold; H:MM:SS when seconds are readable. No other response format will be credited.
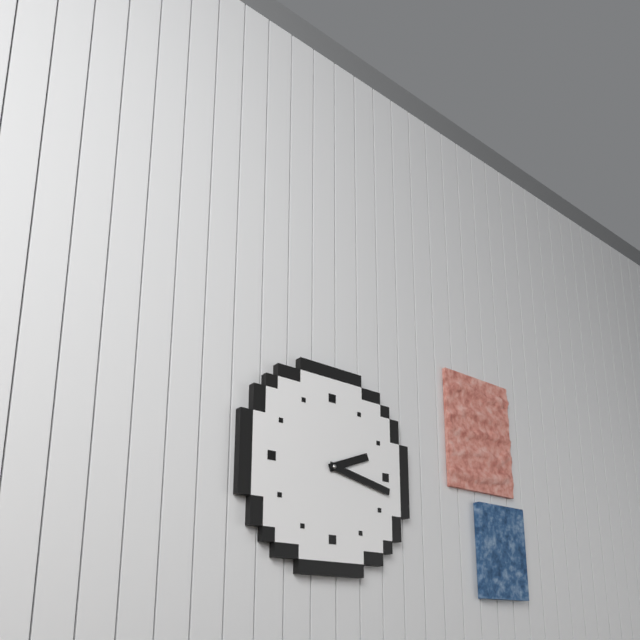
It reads **2:17**
